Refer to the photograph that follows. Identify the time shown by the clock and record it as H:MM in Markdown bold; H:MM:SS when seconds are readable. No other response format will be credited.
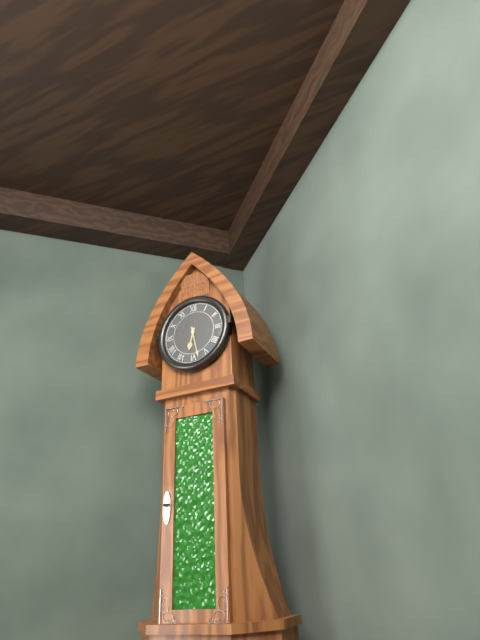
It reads **6:28**
